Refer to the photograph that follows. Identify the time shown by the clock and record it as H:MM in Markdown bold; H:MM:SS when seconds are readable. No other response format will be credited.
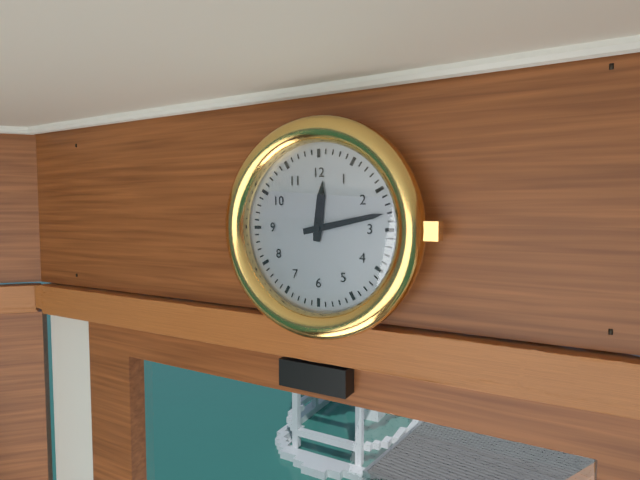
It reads **12:13**
